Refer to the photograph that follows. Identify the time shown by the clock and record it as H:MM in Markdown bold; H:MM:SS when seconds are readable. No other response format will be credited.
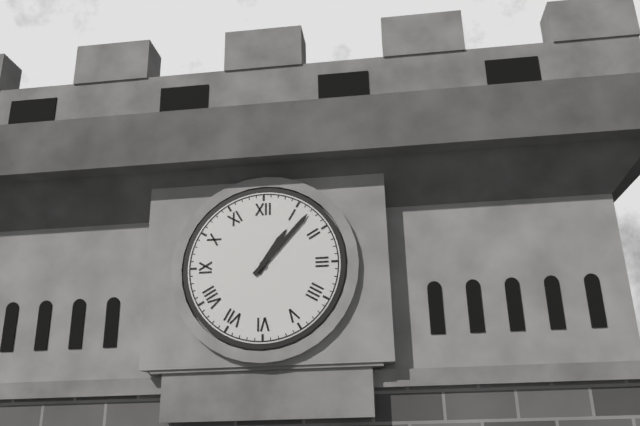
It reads **1:07**
